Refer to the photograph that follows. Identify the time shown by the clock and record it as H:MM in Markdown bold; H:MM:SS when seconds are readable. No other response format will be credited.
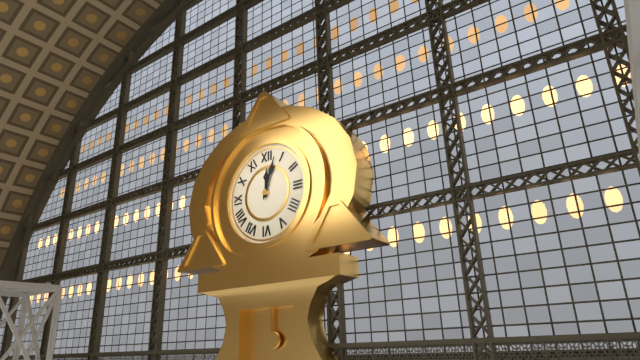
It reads **12:03**
